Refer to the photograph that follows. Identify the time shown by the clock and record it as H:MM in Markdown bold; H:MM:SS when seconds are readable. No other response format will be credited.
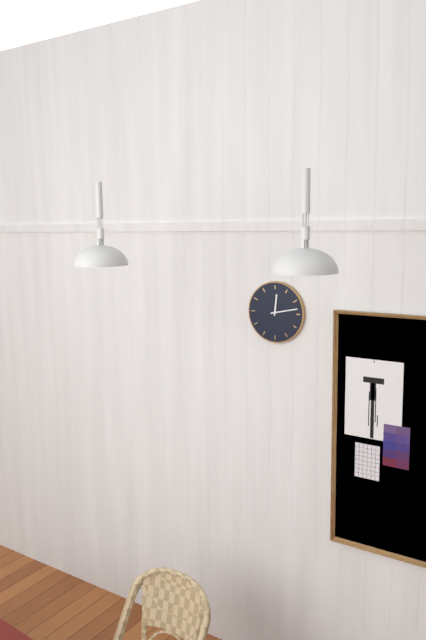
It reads **12:13**
